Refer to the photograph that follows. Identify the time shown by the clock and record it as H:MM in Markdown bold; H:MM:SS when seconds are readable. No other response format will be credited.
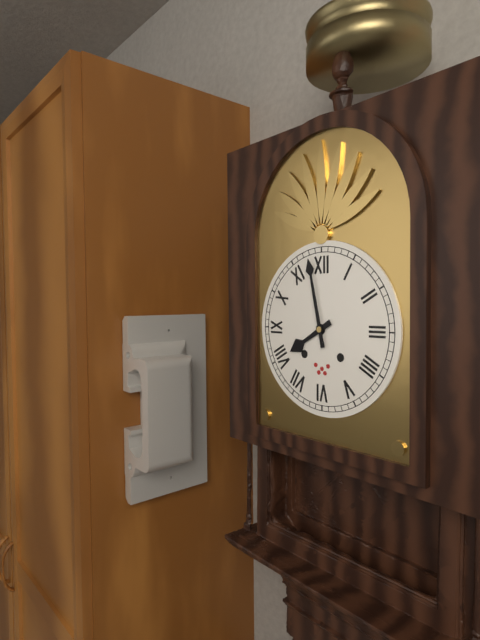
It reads **7:58**
